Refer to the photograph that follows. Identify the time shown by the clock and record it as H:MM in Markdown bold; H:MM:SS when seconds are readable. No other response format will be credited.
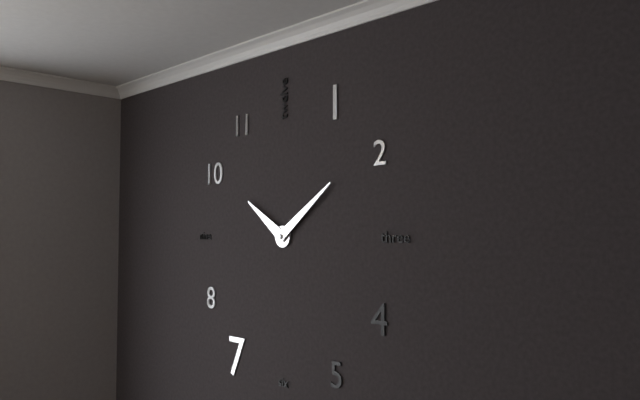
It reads **10:09**
